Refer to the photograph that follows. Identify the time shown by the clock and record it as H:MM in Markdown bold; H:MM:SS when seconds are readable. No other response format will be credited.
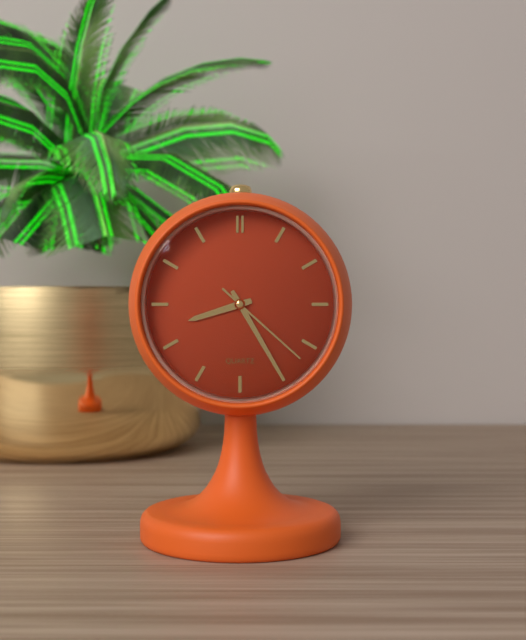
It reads **8:25:22**
